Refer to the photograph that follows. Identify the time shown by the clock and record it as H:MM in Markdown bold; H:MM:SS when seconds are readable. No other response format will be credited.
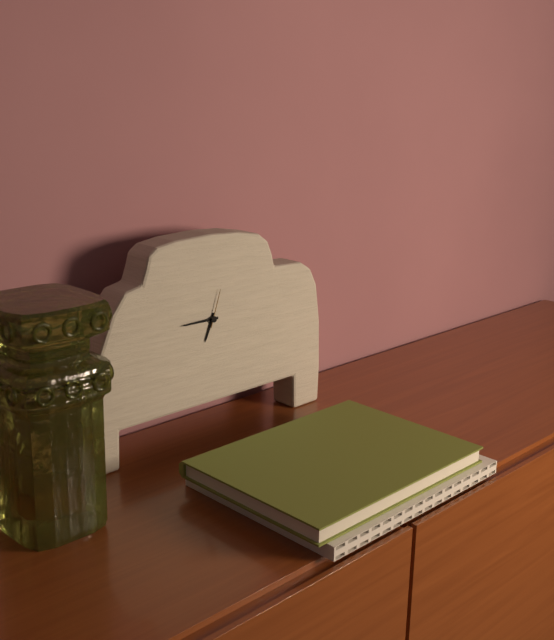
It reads **6:45**
